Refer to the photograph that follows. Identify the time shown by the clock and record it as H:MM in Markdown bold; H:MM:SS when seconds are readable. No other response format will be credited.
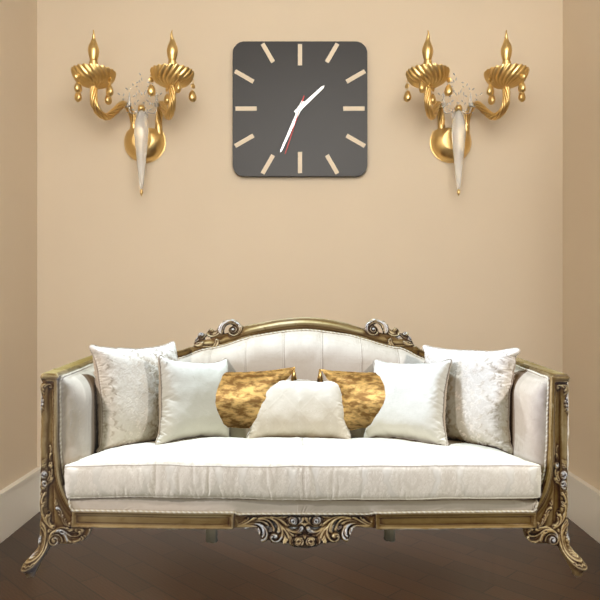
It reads **1:34:33**
